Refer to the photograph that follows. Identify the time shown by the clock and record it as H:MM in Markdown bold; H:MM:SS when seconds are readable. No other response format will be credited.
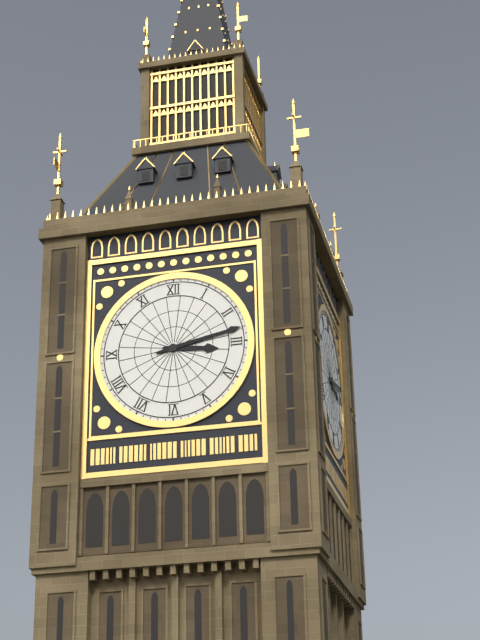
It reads **3:13**
